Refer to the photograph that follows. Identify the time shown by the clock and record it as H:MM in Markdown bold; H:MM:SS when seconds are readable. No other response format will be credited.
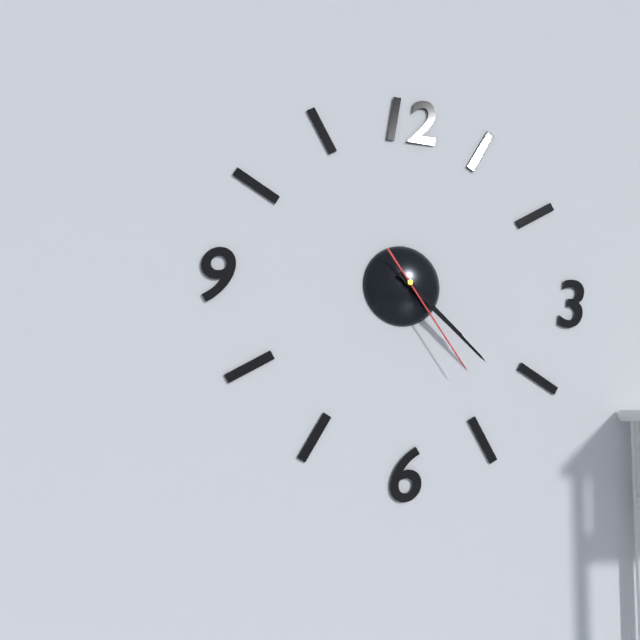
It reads **4:22:24**
